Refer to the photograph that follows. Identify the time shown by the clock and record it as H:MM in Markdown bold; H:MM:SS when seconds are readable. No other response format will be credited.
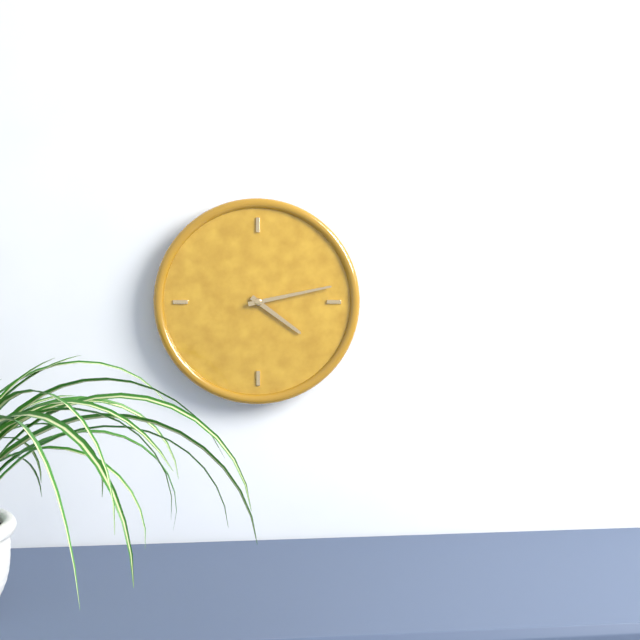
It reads **4:13**
